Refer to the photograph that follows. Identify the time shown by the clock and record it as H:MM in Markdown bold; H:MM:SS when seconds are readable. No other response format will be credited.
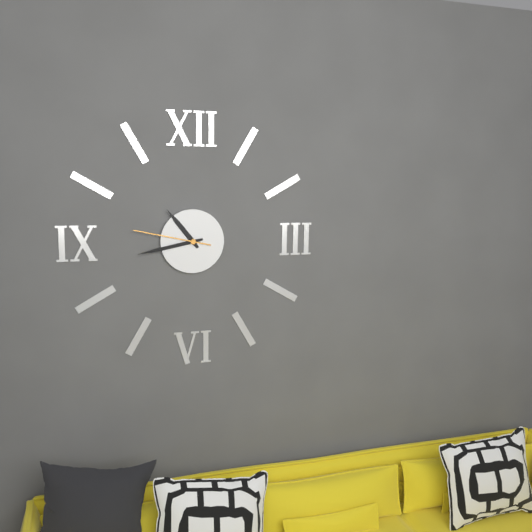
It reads **10:43:47**
